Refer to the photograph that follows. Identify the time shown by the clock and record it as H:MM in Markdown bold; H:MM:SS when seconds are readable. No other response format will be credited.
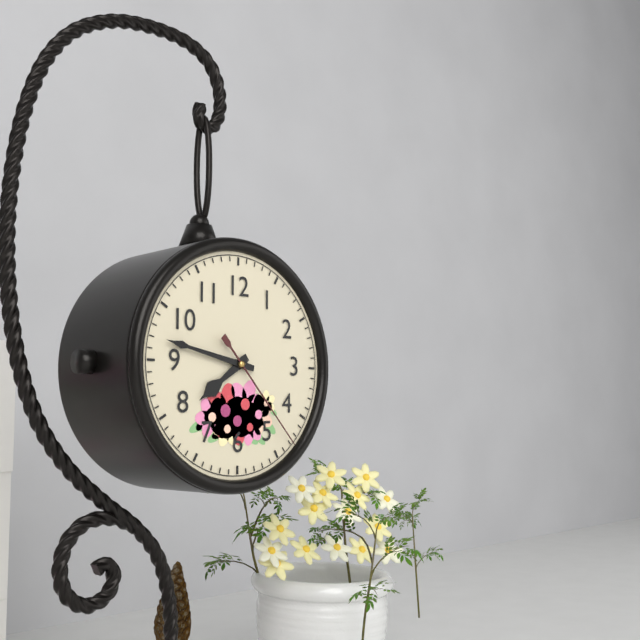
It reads **7:47:23**
